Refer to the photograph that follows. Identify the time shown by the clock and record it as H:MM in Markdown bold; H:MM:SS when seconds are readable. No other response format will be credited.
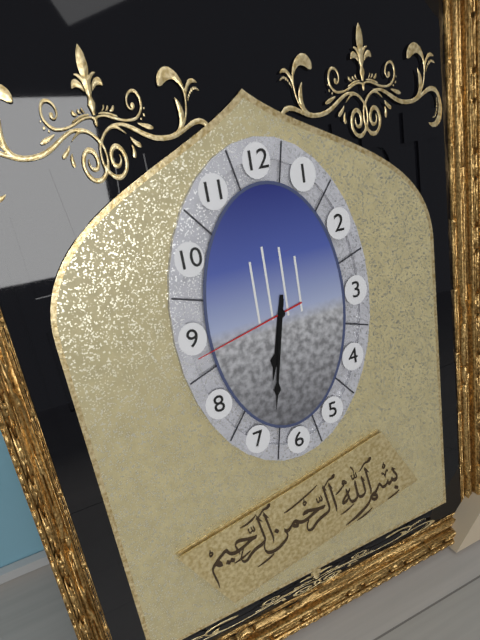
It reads **6:32:43**
